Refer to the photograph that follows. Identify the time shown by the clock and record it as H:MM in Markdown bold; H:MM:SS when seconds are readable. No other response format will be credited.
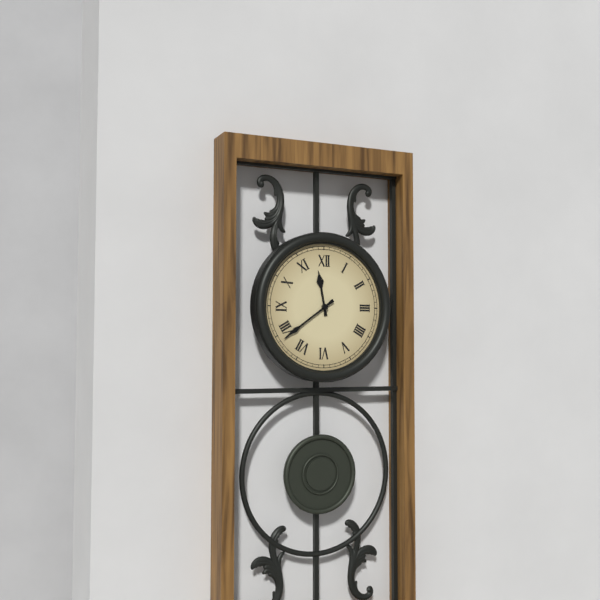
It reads **11:39**
